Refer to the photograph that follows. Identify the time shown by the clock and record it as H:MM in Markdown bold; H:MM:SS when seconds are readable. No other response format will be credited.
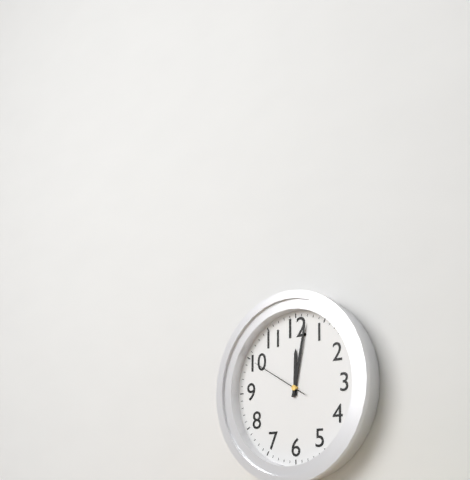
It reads **12:02:50**
